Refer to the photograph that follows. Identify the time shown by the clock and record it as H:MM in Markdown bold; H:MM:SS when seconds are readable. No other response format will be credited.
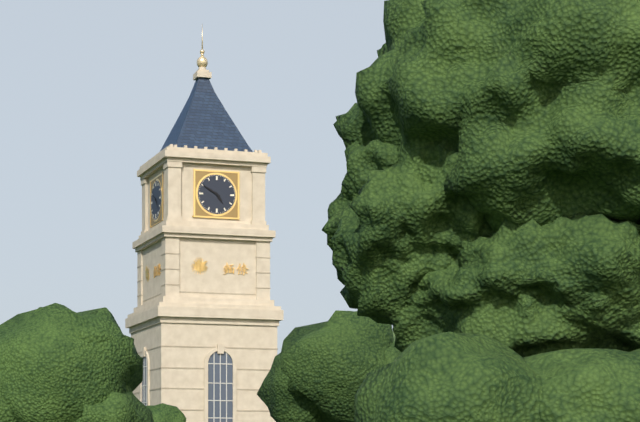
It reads **4:50**
